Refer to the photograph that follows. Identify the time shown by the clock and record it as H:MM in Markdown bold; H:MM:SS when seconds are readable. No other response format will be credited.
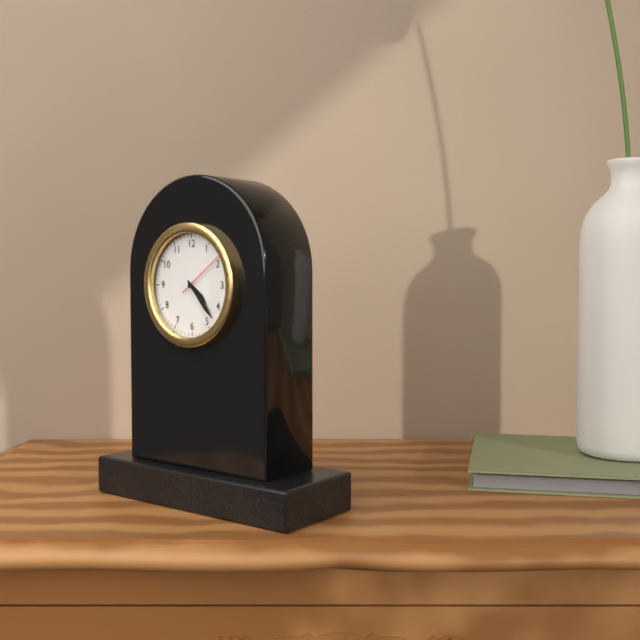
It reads **4:23:09**
